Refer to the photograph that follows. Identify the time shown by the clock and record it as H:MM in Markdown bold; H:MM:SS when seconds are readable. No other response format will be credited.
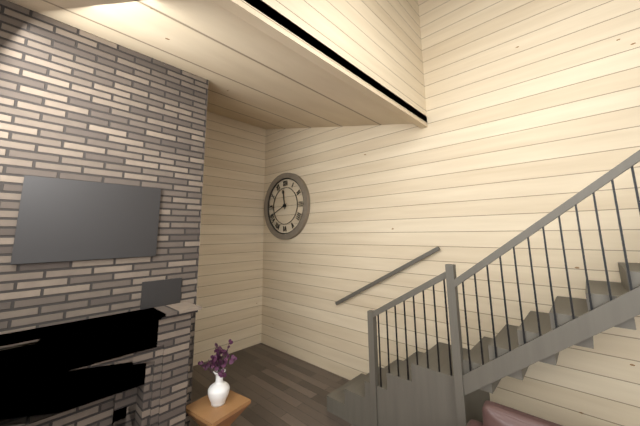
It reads **11:41**
